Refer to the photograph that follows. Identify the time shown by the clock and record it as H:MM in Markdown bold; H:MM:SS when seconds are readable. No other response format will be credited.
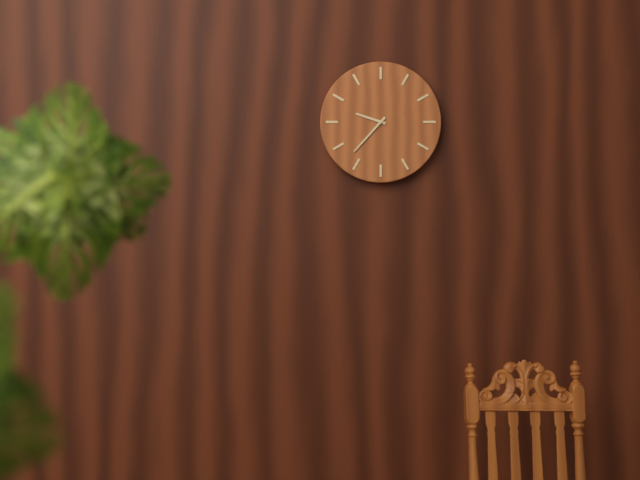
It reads **9:37**
